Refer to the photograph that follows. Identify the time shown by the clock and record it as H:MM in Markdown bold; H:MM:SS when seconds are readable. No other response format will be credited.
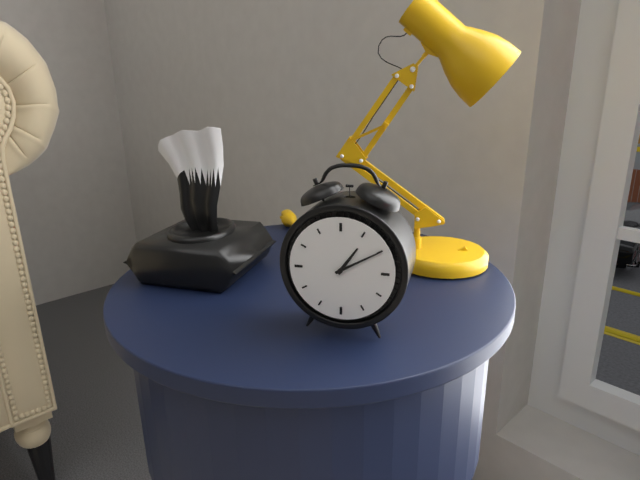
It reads **1:10**
